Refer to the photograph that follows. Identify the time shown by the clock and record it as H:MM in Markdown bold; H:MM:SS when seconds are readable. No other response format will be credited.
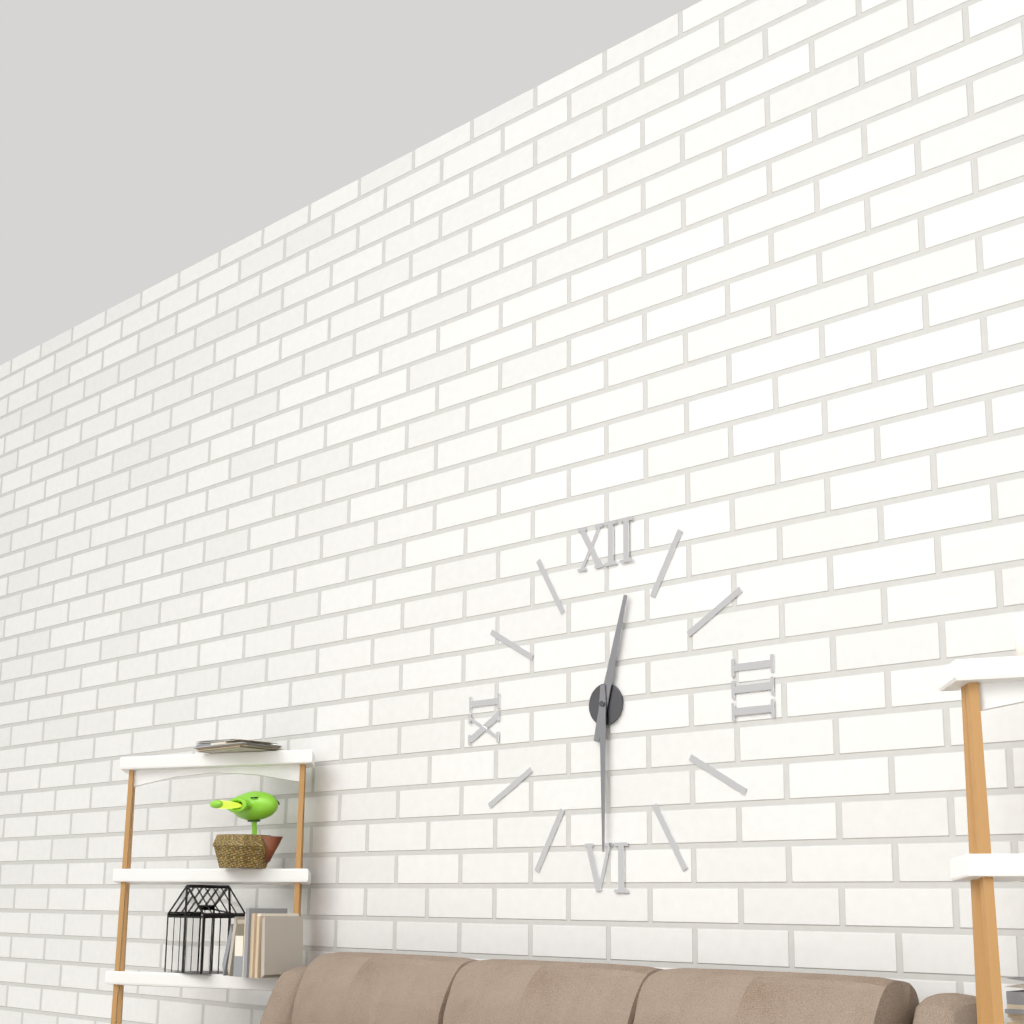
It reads **12:30**
